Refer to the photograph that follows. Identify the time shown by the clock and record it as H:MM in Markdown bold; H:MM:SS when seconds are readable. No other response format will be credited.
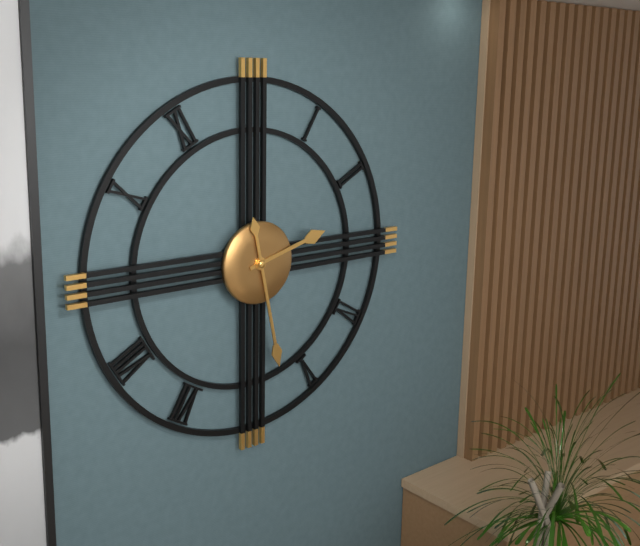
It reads **2:28**
